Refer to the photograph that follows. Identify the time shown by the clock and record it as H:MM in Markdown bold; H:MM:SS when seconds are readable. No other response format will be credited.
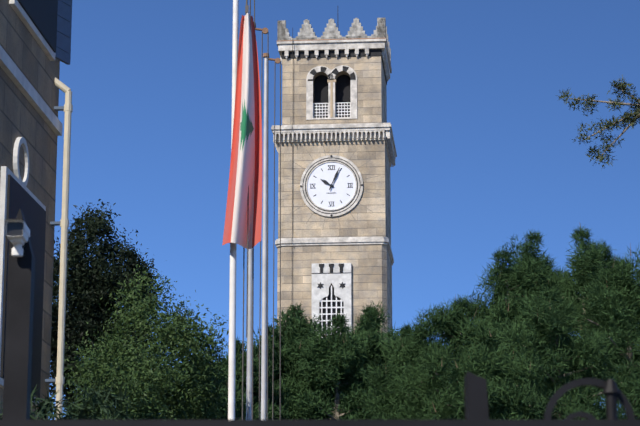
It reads **10:04**
